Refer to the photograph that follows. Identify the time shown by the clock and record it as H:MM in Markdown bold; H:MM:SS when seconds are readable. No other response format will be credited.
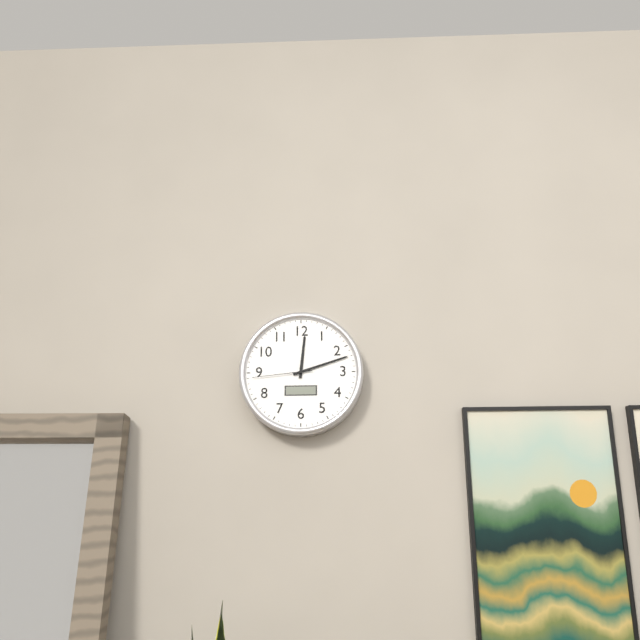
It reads **12:12:44**
